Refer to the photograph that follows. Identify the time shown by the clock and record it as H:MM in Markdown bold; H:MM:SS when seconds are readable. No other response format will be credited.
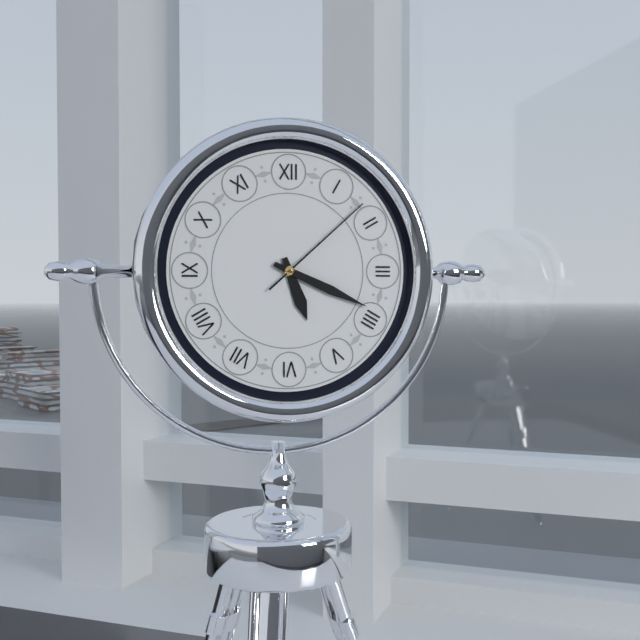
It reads **5:19:08**
